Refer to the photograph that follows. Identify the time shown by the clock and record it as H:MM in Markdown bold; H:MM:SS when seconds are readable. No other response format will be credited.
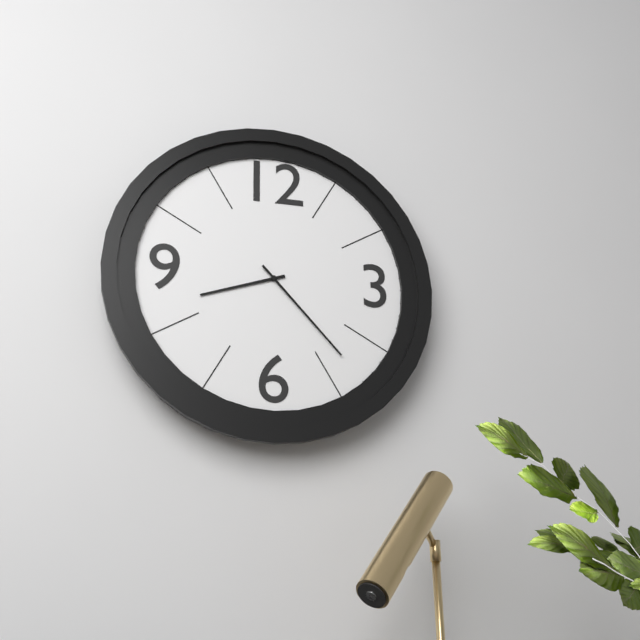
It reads **8:23**
